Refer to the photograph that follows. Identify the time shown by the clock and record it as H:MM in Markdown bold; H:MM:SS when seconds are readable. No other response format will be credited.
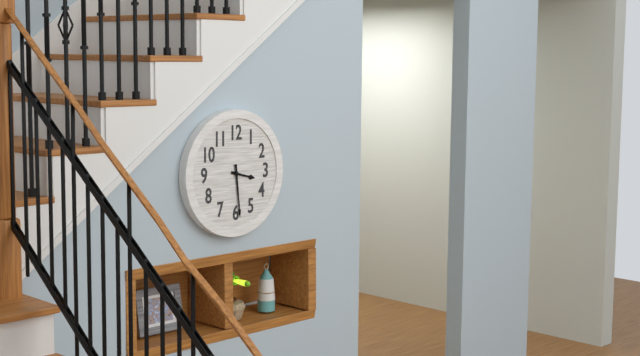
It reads **3:29**
